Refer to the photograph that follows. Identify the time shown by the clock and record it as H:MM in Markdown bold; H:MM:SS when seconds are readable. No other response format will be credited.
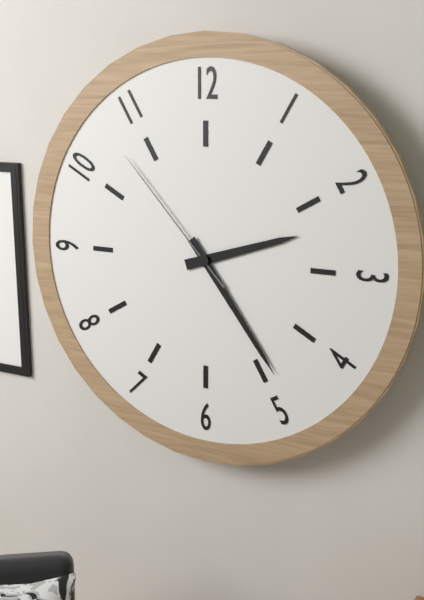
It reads **2:24:53**
